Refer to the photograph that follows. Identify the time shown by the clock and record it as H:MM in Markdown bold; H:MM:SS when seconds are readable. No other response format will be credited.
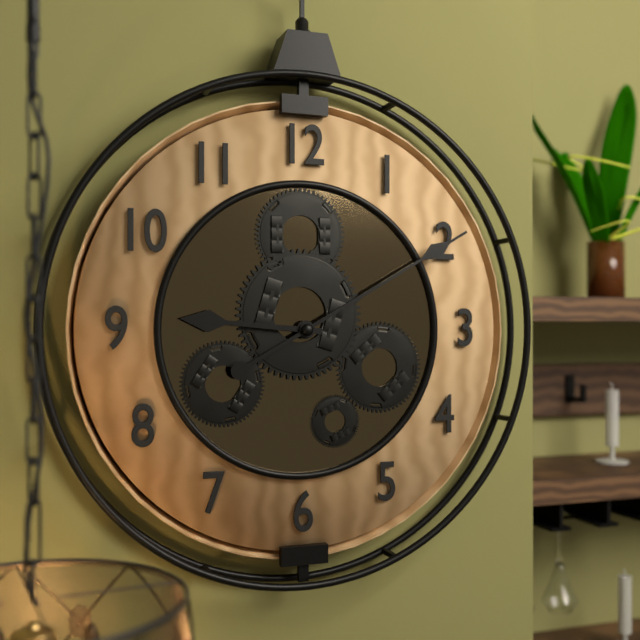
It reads **9:10**
